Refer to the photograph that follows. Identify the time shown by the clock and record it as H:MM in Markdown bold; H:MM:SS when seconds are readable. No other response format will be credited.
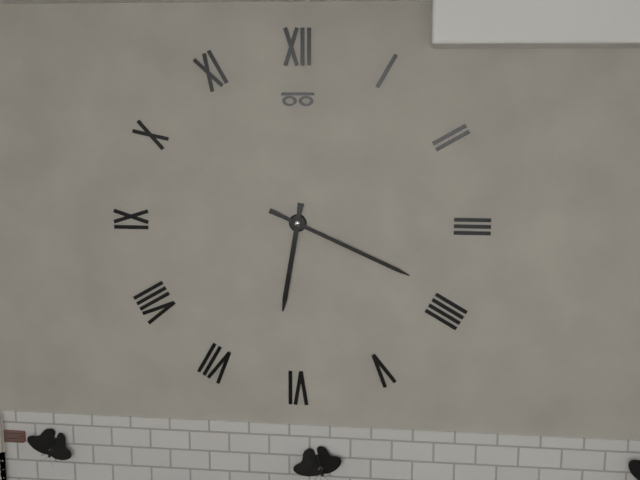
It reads **6:19**
